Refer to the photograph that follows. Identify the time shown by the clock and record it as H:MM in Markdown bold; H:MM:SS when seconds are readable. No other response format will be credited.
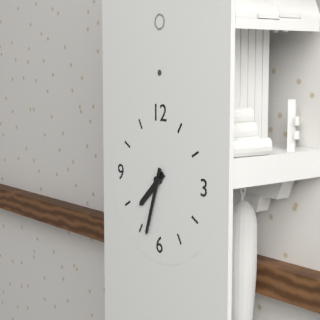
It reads **7:33**
